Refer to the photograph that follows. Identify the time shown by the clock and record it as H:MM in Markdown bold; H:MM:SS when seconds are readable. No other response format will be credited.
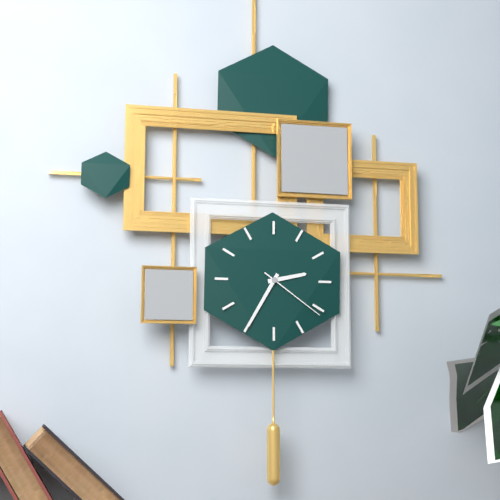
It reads **2:35:21**
